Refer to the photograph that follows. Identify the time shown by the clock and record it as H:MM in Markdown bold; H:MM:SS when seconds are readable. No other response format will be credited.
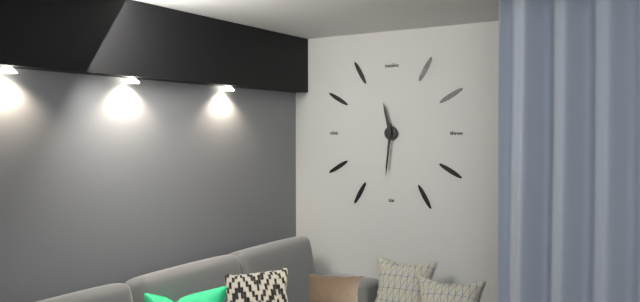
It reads **11:31**
